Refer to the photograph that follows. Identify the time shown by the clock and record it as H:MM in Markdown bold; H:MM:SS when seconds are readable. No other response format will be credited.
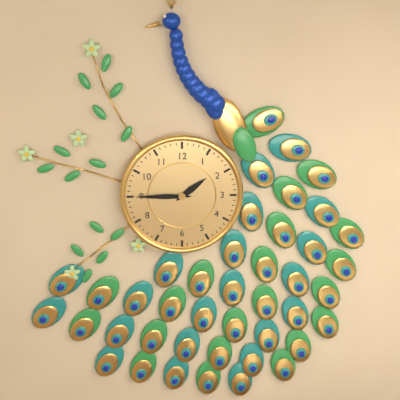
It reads **1:45**
